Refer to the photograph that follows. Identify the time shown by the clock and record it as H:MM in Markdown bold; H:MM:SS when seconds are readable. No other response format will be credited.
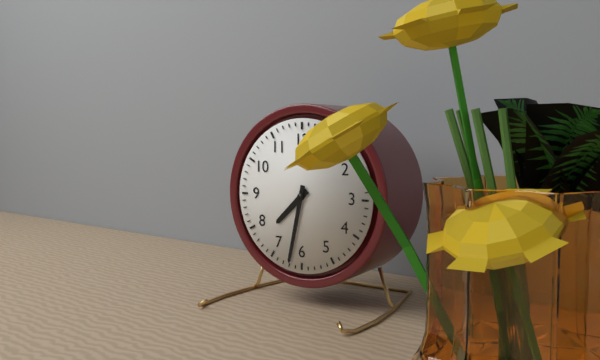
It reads **7:32**
